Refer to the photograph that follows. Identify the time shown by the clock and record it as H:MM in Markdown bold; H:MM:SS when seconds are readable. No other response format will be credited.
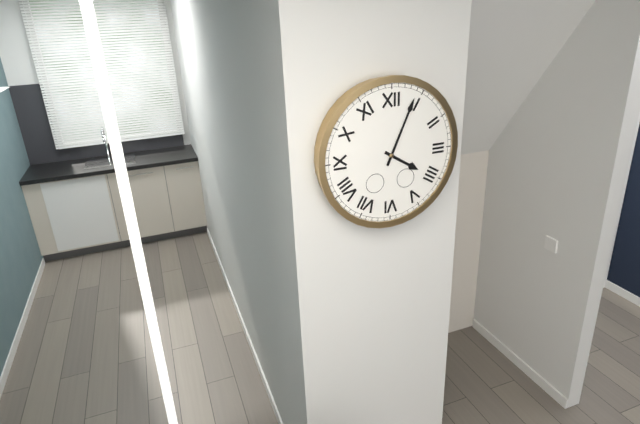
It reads **4:04**
